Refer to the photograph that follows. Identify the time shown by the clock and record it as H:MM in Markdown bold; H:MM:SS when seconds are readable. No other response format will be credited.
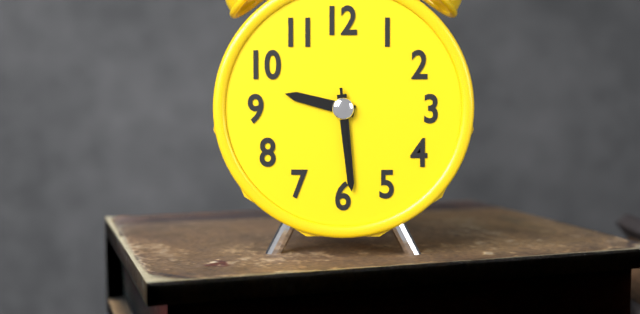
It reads **9:29:29**
